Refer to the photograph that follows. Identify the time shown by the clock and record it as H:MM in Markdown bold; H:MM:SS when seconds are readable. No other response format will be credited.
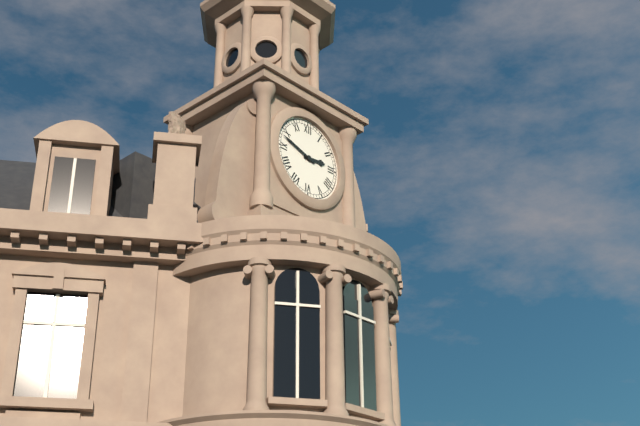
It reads **2:48**
